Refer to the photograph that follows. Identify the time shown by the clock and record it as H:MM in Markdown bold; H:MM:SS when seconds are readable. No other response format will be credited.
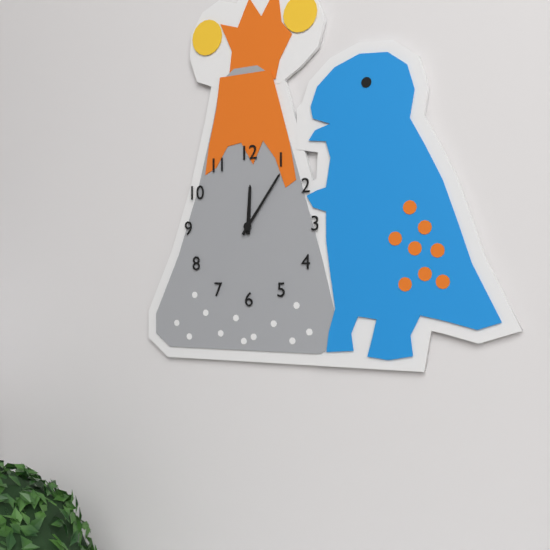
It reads **12:06**
